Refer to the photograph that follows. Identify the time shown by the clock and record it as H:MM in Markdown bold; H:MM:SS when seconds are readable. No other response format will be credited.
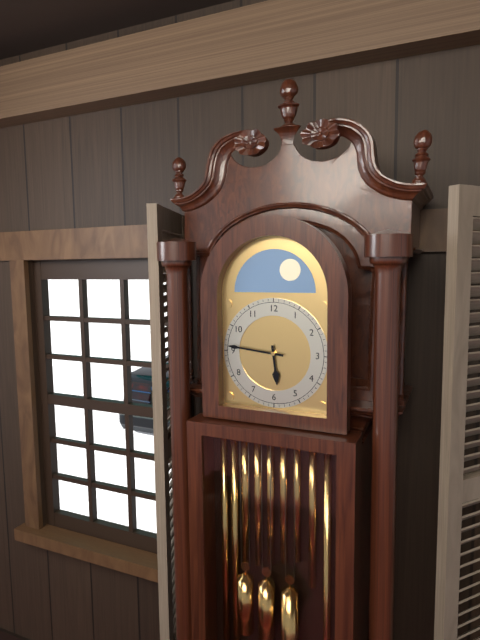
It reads **5:46**
